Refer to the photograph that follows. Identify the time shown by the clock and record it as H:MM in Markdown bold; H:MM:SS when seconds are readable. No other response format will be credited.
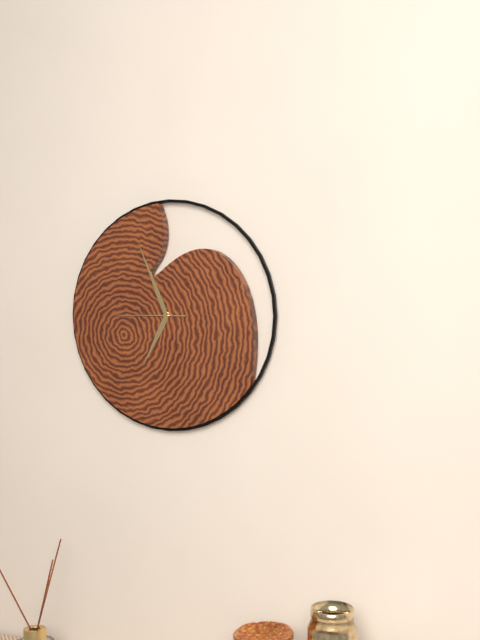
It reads **6:56:45**
